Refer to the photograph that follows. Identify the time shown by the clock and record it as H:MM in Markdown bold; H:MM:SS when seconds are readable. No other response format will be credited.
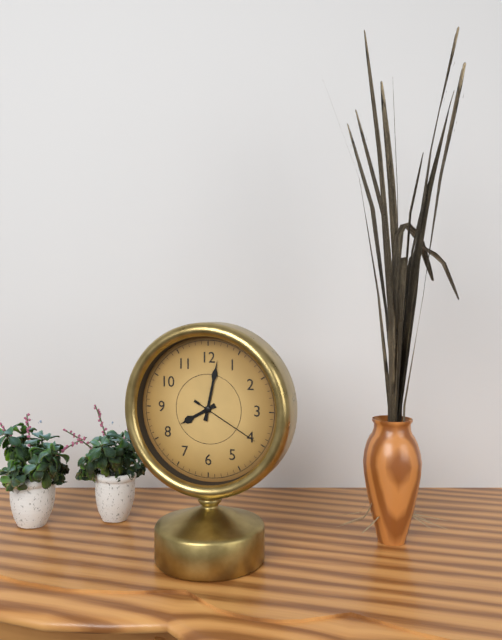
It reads **8:02:20**
